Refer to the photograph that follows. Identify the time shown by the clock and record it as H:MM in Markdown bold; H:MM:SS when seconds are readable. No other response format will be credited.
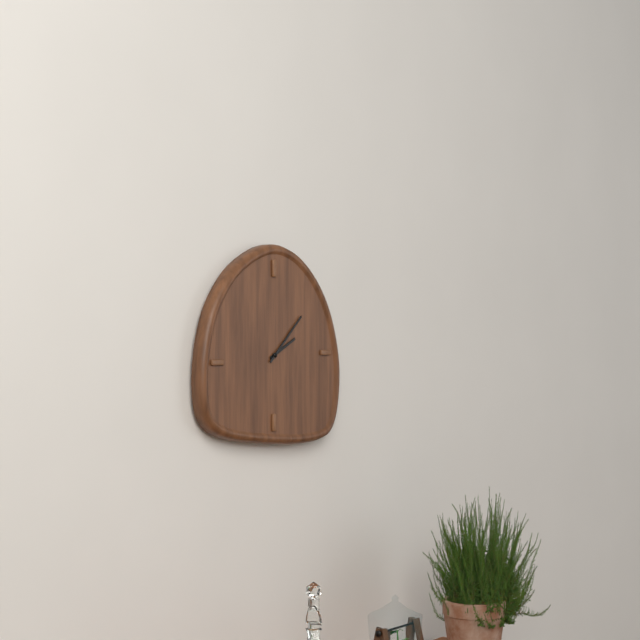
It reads **2:08**
